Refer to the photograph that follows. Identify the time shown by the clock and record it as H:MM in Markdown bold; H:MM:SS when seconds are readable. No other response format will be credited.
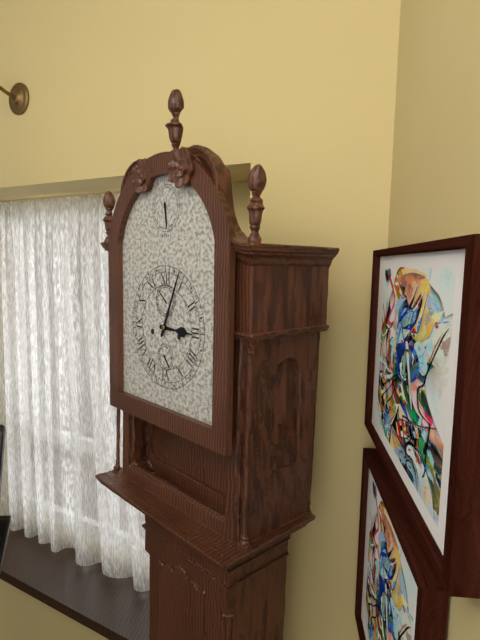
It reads **3:04**
